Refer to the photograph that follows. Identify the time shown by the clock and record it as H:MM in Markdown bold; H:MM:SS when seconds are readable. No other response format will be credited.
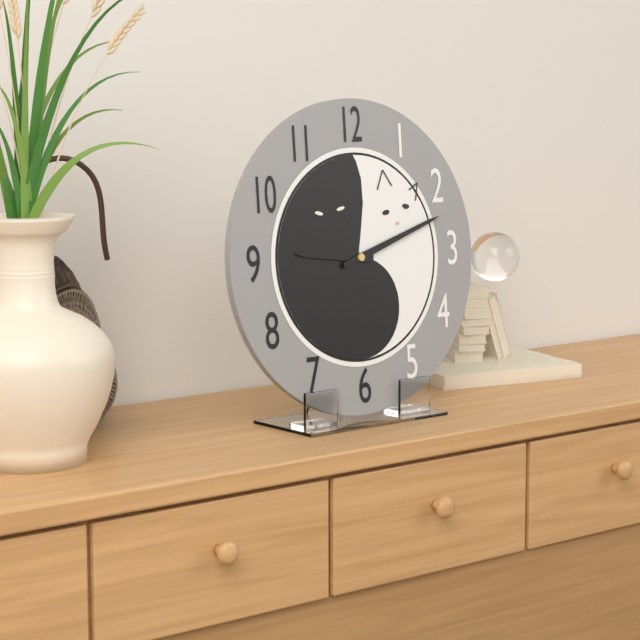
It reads **9:12**
